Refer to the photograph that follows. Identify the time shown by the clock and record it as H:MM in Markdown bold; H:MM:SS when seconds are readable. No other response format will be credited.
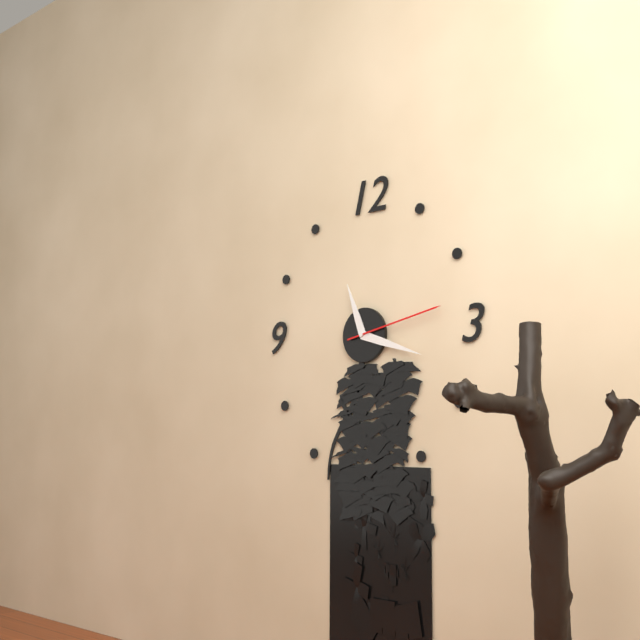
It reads **11:18:13**
